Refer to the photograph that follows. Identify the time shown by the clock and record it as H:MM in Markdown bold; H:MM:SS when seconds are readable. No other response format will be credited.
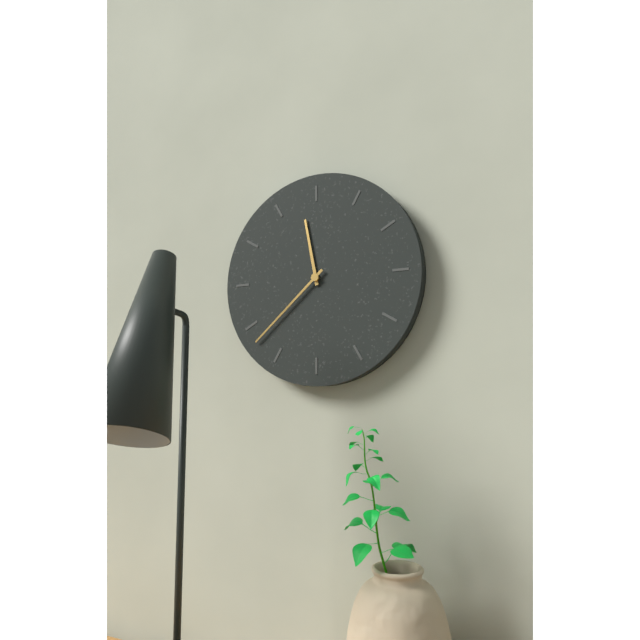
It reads **11:38**
